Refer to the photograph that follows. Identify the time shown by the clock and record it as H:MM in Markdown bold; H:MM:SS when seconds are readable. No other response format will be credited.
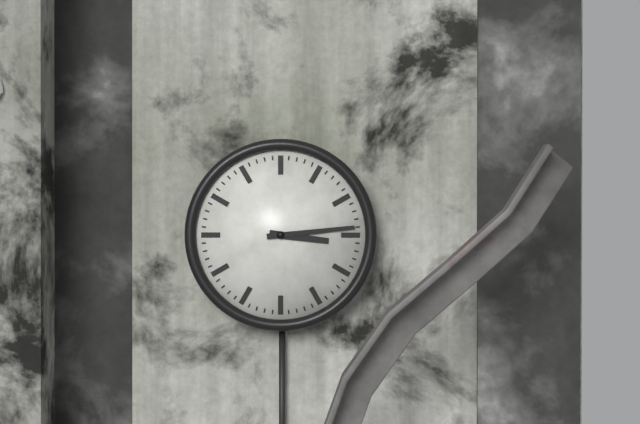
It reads **3:14**
